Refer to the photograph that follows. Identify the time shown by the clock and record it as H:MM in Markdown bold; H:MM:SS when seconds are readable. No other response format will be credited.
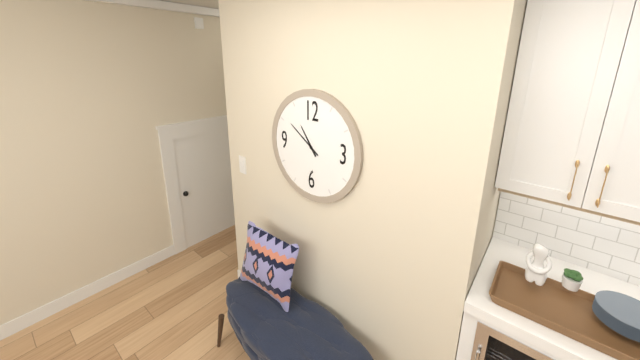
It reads **10:51**
